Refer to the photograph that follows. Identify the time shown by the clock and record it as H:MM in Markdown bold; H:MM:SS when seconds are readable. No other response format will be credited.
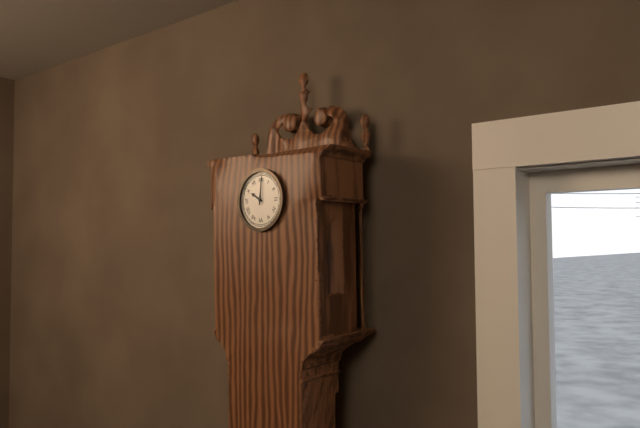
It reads **10:01**
